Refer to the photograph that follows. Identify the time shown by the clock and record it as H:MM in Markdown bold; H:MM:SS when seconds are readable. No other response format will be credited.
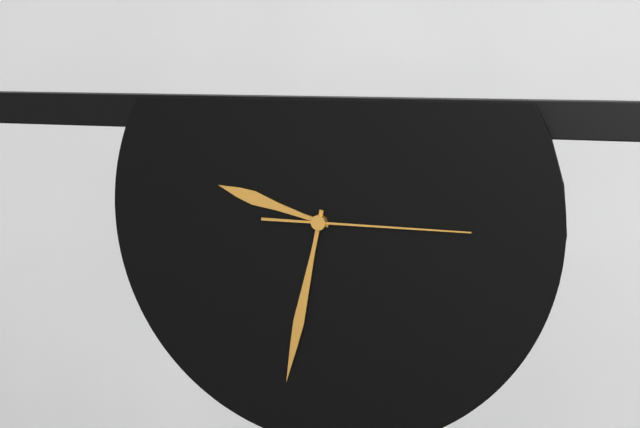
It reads **9:32:15**
